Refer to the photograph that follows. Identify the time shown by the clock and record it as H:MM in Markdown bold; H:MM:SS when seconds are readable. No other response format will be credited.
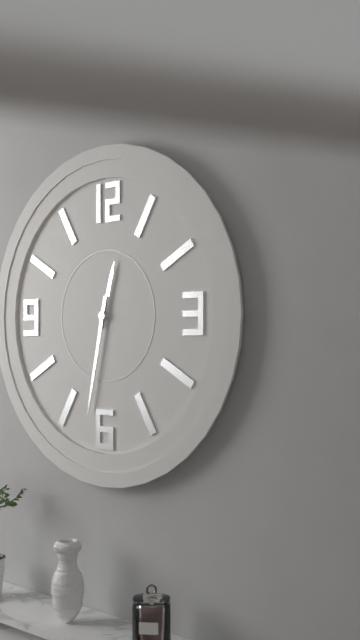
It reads **12:32**
